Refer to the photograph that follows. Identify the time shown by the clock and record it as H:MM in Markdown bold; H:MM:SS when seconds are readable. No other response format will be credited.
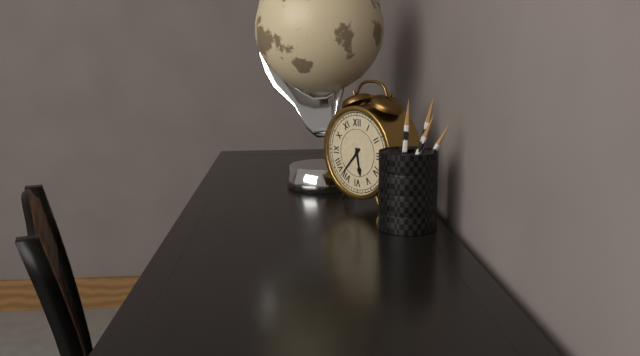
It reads **5:37**
